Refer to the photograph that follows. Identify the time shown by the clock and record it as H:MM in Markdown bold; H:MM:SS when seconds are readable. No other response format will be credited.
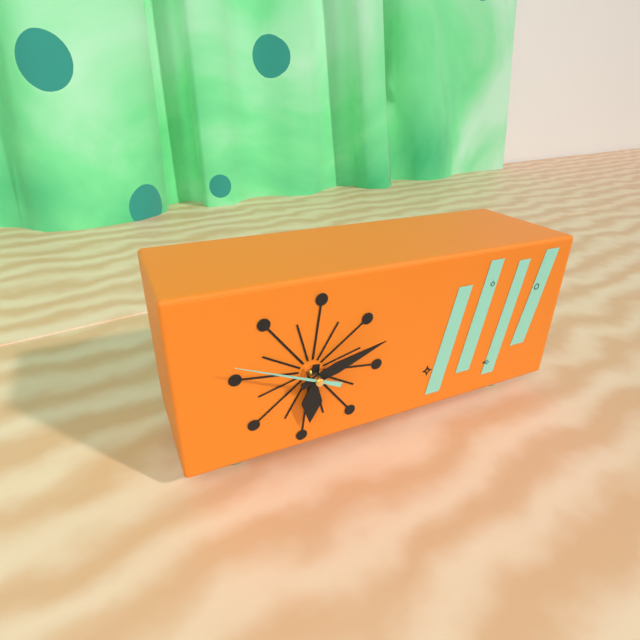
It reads **6:12:49**
